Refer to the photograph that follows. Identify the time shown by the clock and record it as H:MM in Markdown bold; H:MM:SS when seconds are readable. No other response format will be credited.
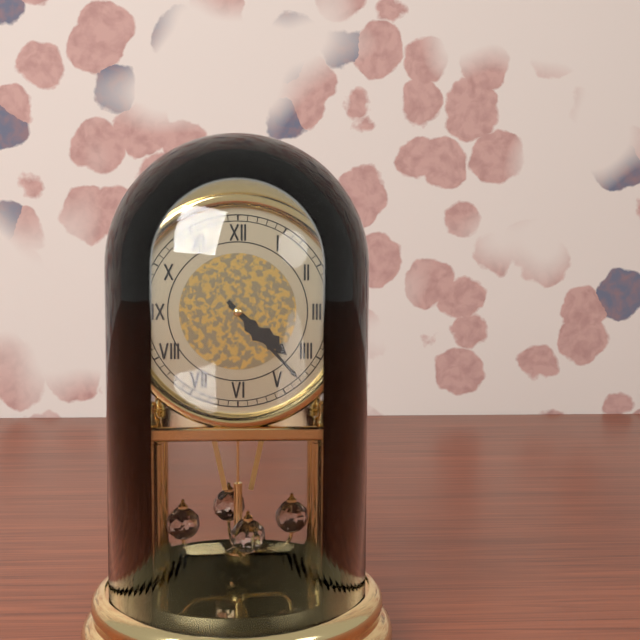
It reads **4:23**
